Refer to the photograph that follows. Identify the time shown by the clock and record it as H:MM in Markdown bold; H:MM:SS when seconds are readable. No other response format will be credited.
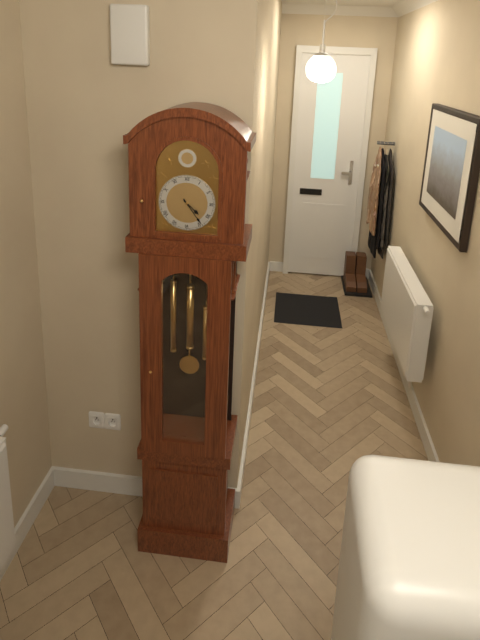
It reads **4:24**
